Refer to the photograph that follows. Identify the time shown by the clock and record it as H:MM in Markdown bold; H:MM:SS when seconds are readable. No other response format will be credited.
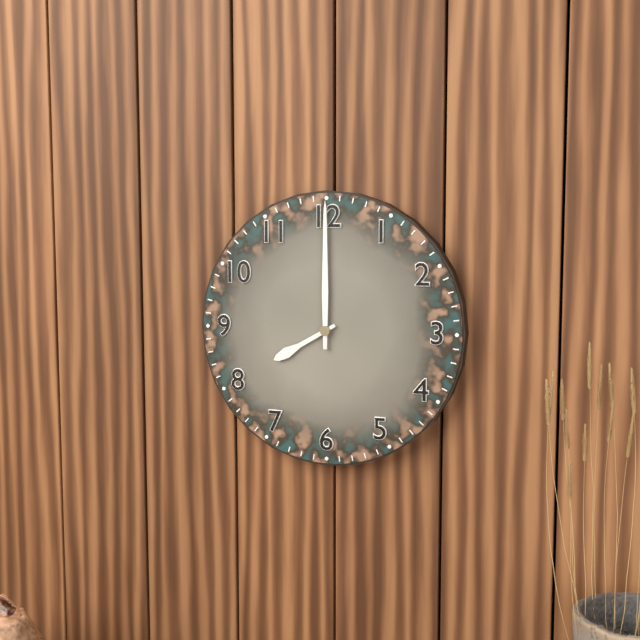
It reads **8:00**
